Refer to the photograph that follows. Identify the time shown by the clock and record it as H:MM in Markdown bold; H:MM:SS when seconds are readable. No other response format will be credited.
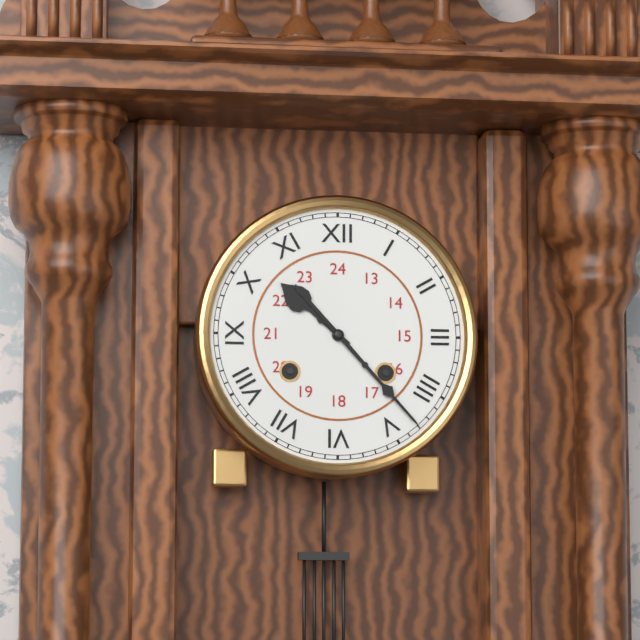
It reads **10:23**
